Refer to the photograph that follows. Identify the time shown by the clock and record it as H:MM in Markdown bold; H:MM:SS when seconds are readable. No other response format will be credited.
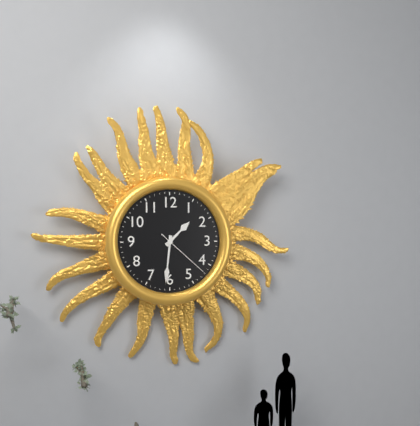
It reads **1:31:22**
